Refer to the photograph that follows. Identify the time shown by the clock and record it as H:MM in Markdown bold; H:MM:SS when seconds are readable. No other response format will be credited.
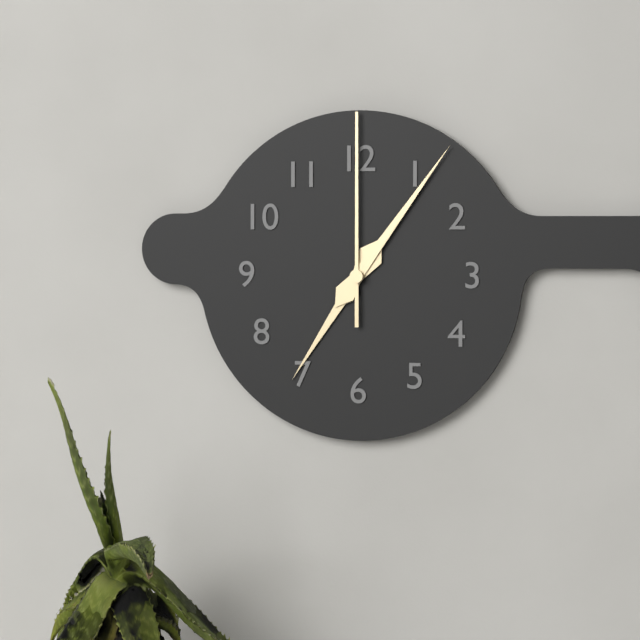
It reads **7:06:00**
